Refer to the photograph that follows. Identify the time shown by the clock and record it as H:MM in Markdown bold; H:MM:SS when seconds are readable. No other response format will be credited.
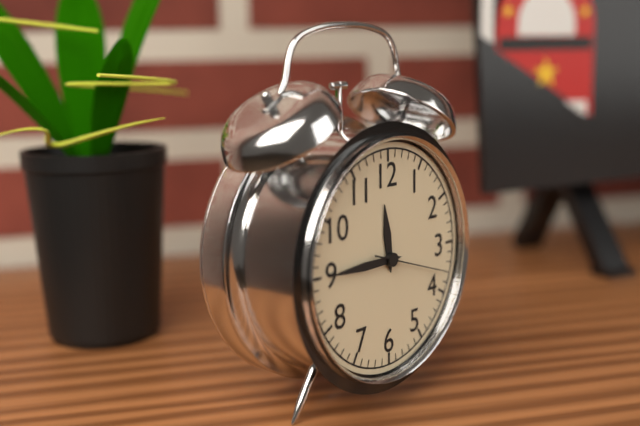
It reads **11:45:18**
